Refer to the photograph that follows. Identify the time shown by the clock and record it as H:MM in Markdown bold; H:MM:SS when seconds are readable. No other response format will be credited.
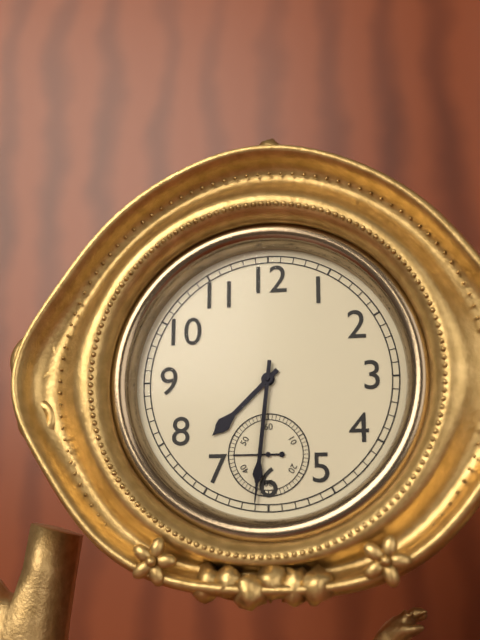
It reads **7:31**
